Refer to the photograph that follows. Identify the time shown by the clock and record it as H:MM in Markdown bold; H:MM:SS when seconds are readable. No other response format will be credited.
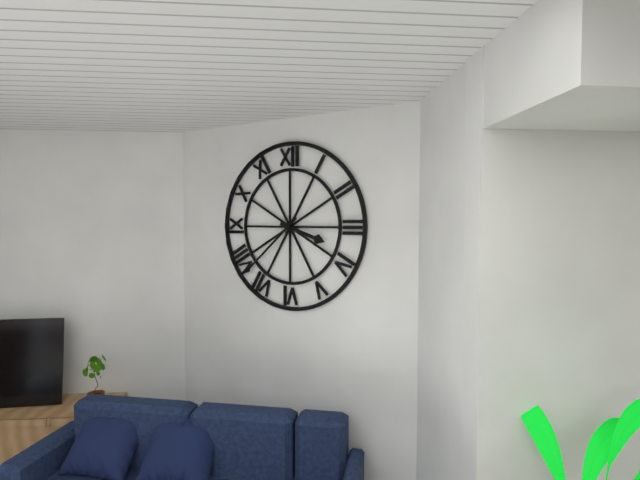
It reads **3:38**
